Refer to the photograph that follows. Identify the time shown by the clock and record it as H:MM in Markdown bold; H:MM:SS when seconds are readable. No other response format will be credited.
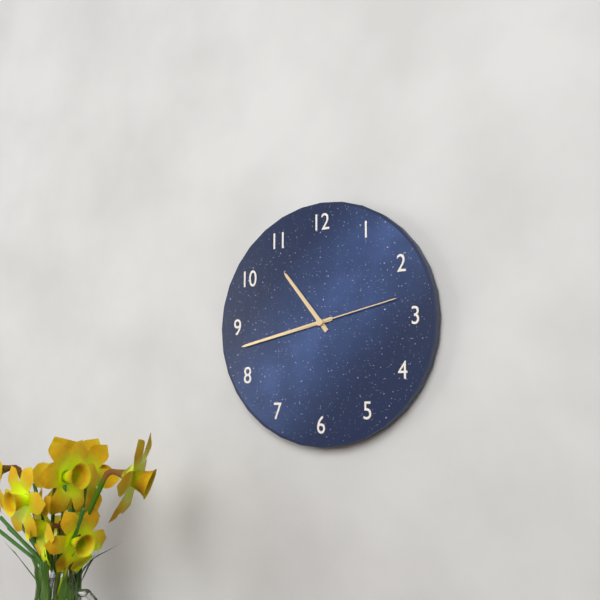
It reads **10:43:13**
